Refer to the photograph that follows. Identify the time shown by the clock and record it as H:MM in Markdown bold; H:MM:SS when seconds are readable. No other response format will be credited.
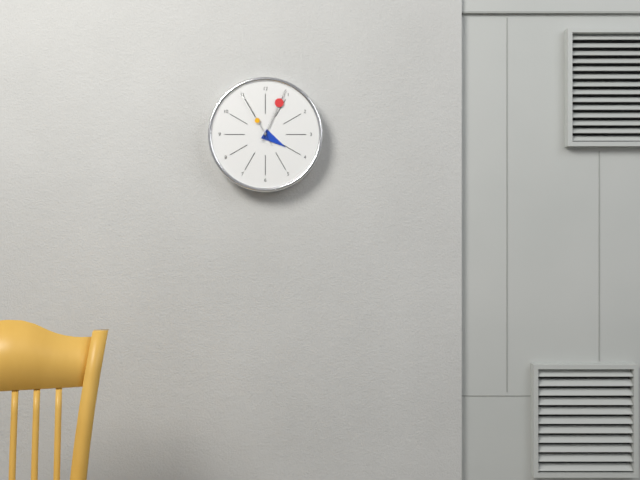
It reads **4:04:55**
